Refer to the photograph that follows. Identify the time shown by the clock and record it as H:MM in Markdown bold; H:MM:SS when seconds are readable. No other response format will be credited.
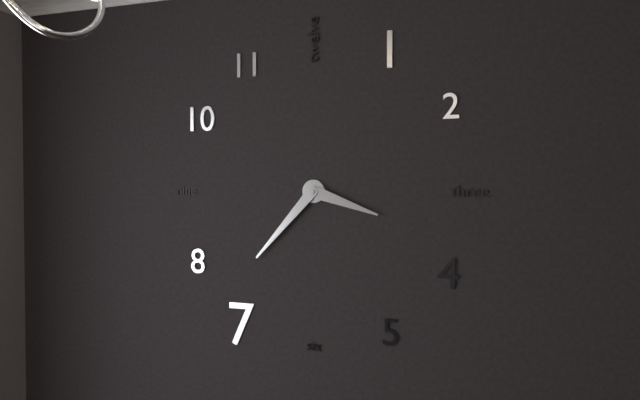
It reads **3:37**
